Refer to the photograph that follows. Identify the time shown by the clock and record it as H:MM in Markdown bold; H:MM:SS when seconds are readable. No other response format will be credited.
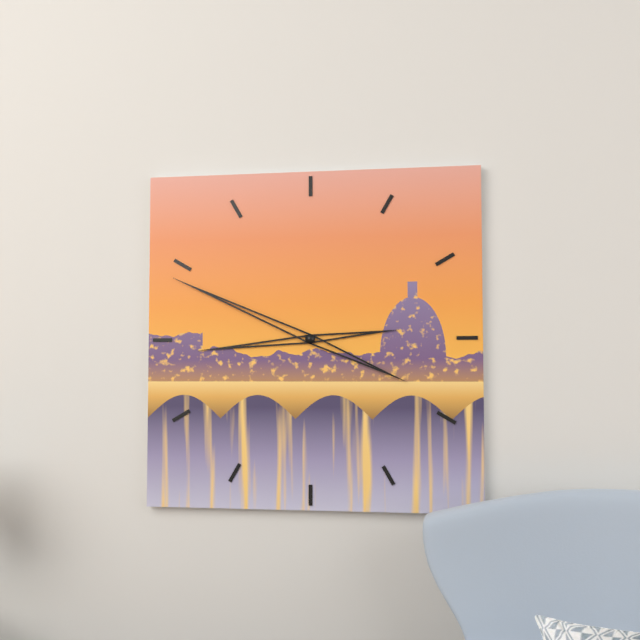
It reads **8:49**
